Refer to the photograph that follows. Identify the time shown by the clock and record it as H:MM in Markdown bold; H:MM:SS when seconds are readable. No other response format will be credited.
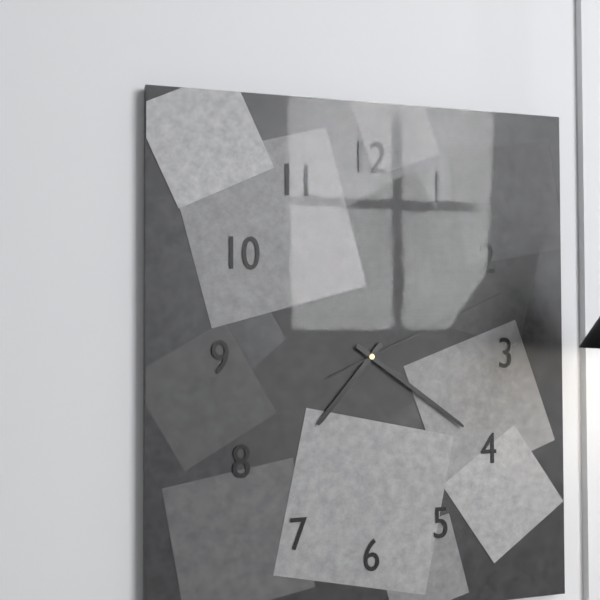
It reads **7:21:11**
